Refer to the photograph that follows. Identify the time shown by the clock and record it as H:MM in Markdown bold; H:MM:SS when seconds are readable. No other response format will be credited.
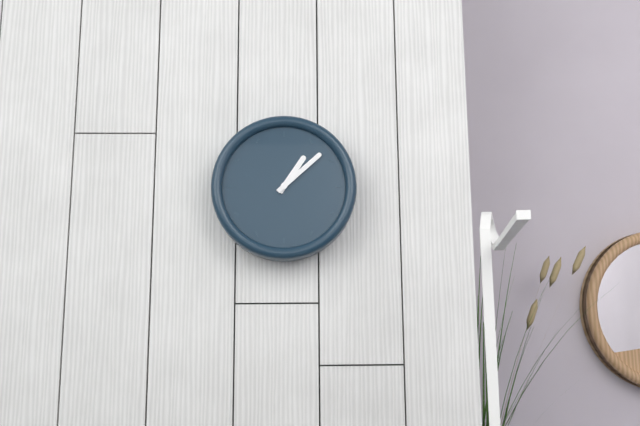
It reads **1:08**
